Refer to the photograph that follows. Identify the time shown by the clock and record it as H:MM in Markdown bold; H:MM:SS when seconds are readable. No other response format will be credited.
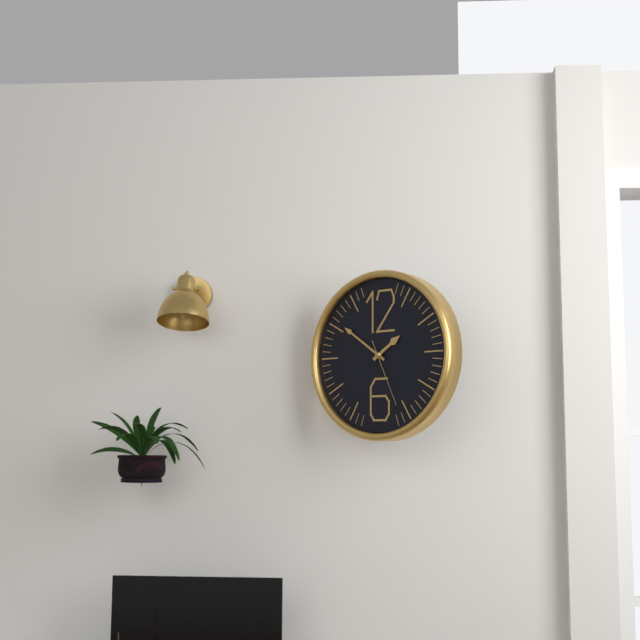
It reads **1:51:26**
